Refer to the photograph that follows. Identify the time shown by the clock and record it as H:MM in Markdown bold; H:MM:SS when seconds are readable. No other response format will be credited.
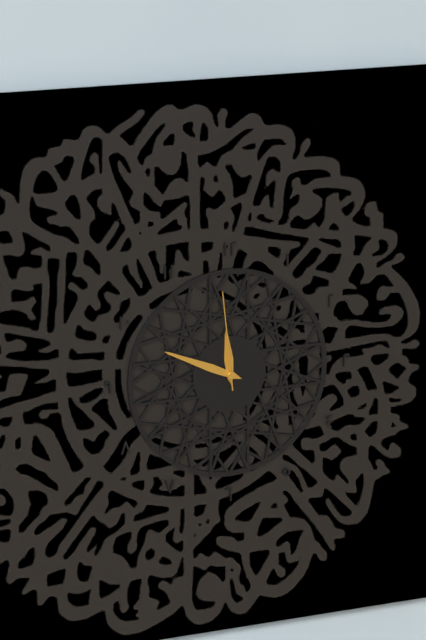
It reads **11:49:59**
